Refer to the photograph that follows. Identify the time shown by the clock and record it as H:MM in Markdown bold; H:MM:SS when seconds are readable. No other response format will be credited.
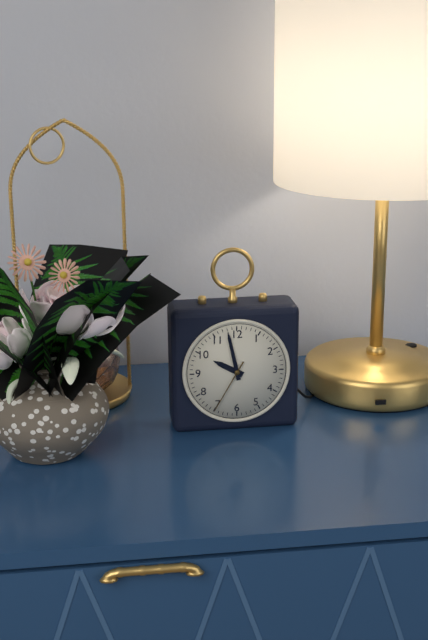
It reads **9:58:35**
